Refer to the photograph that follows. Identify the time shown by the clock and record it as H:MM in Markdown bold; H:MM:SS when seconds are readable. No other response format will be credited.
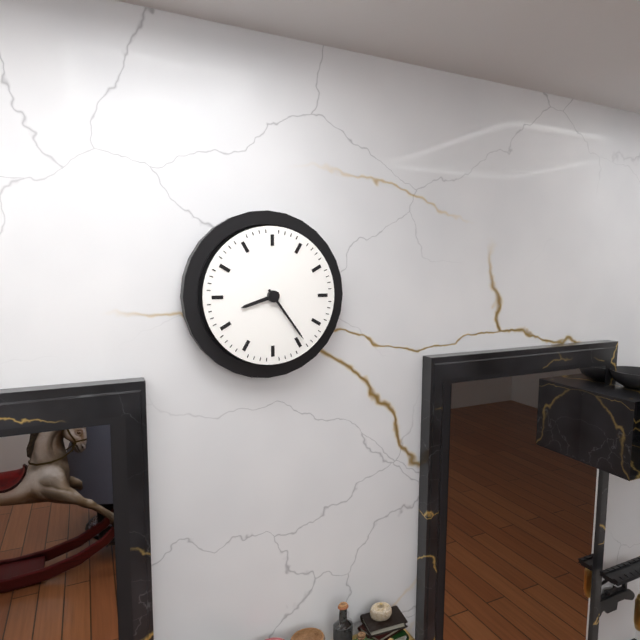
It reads **8:24**
